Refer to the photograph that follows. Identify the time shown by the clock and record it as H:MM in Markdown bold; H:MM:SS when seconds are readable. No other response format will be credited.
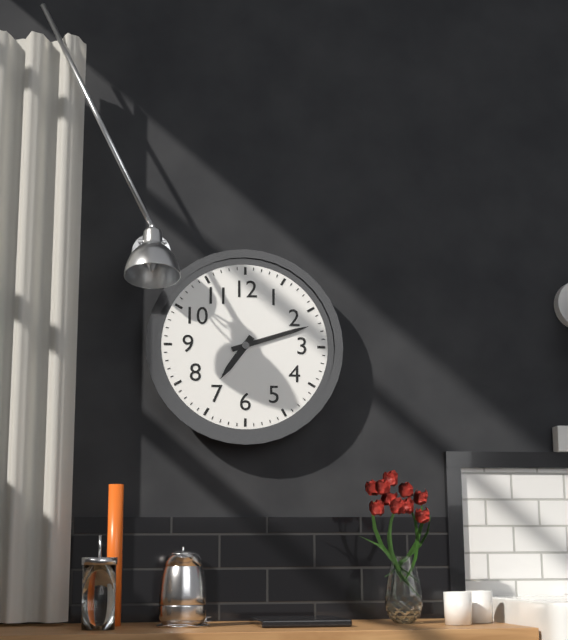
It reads **7:12**
